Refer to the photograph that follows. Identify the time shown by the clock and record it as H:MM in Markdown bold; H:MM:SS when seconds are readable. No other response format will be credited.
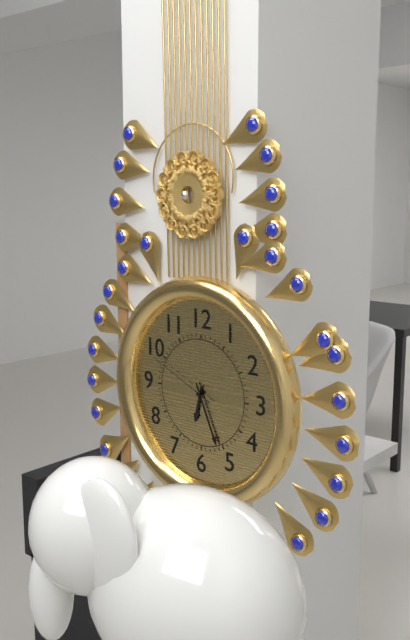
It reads **6:26:49**
